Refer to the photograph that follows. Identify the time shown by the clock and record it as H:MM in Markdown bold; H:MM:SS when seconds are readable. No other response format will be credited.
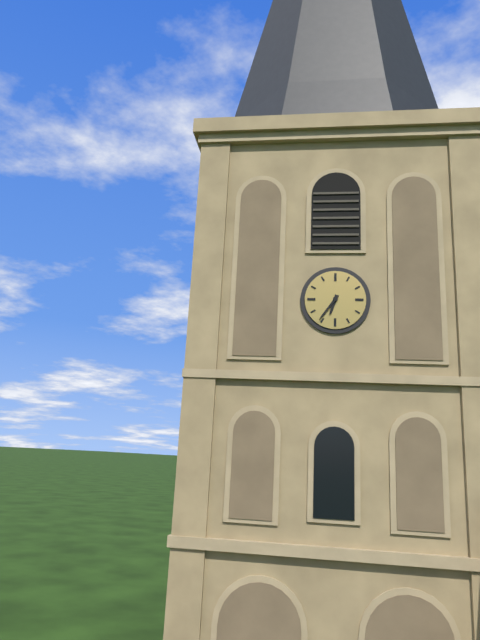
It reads **6:36**
